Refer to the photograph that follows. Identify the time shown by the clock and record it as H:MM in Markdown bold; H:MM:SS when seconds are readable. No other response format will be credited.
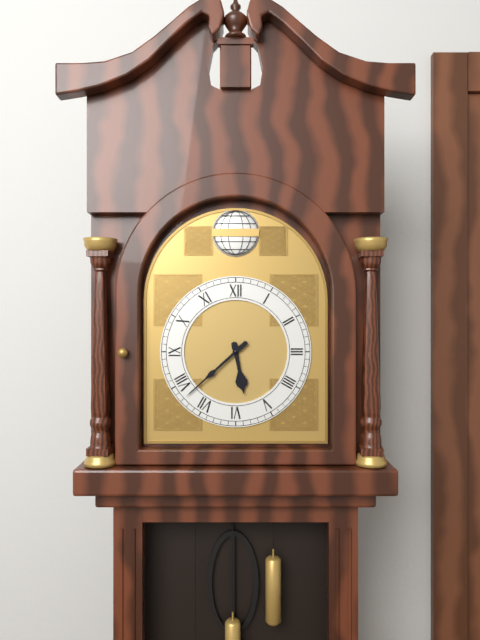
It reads **5:38**
